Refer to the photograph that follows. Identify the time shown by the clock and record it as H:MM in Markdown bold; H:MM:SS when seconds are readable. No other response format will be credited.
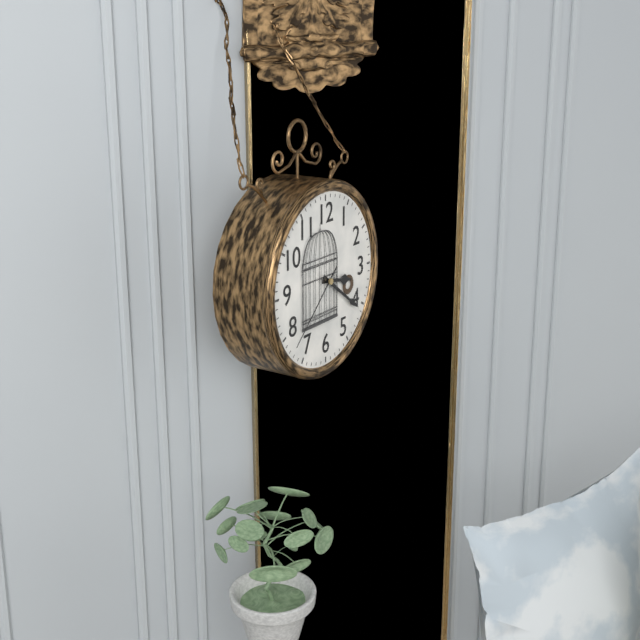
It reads **3:21:38**
